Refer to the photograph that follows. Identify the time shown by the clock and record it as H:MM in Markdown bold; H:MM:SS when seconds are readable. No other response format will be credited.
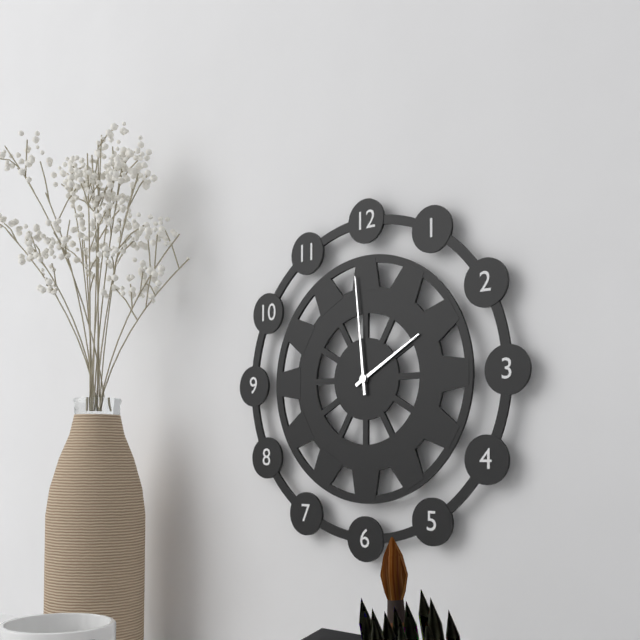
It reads **1:59**
